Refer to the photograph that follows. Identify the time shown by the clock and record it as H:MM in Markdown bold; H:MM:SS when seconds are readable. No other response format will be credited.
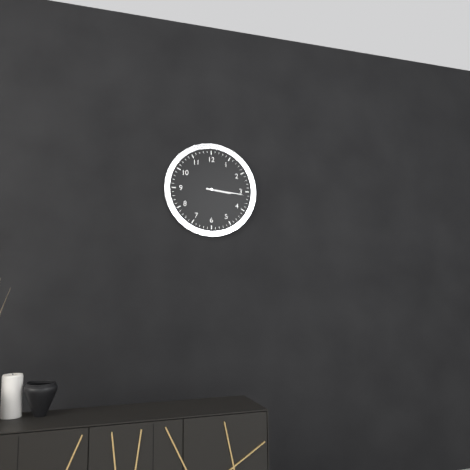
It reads **3:16**
